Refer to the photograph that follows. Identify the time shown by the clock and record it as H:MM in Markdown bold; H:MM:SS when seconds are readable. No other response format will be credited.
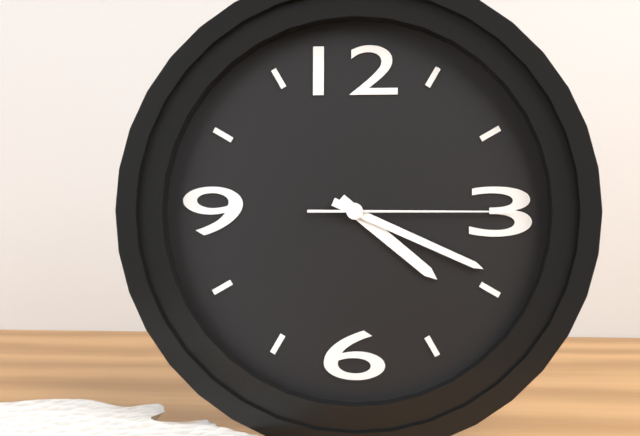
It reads **4:19:15**
